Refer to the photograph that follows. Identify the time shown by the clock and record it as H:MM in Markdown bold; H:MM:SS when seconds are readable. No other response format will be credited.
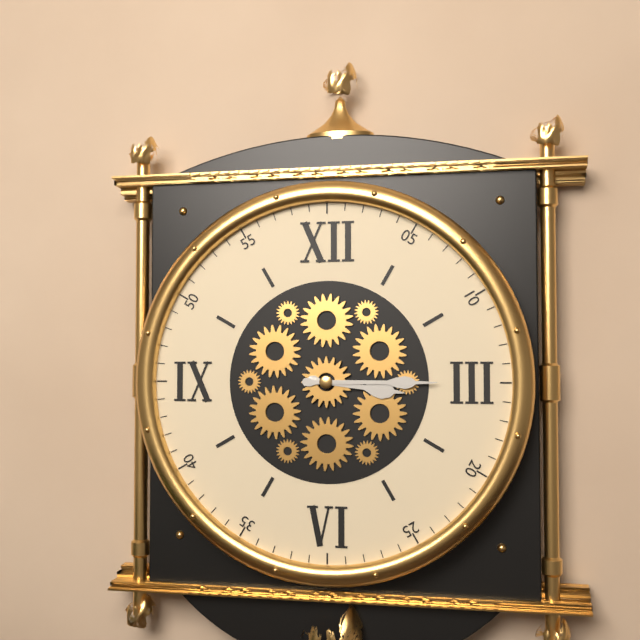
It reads **3:15**
